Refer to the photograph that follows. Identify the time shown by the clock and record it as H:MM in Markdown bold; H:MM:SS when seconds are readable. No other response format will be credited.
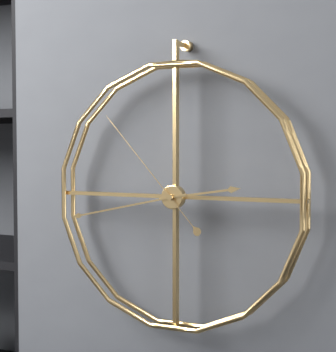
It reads **2:43:53**
